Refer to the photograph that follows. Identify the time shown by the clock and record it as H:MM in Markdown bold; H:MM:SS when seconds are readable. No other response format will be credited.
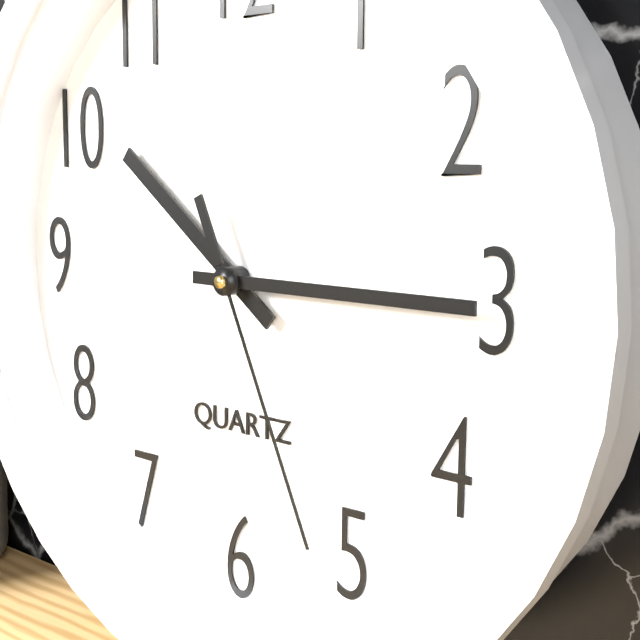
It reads **10:15:26**
